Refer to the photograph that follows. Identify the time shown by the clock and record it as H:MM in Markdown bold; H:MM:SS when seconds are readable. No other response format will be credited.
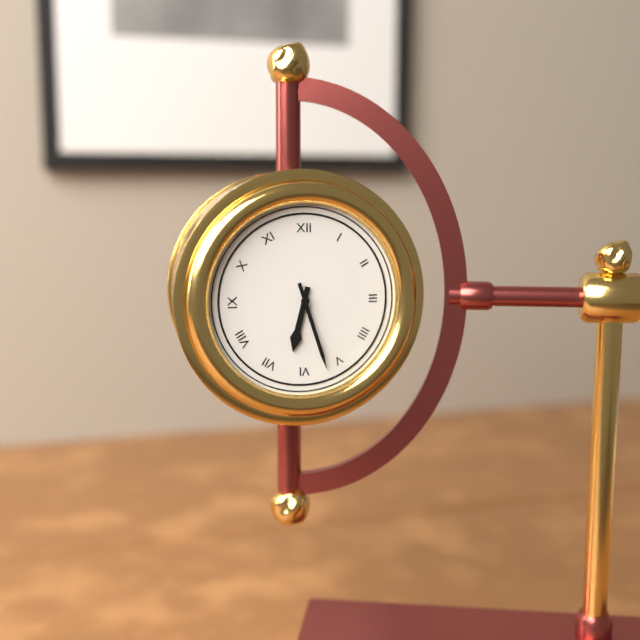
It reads **6:27**
